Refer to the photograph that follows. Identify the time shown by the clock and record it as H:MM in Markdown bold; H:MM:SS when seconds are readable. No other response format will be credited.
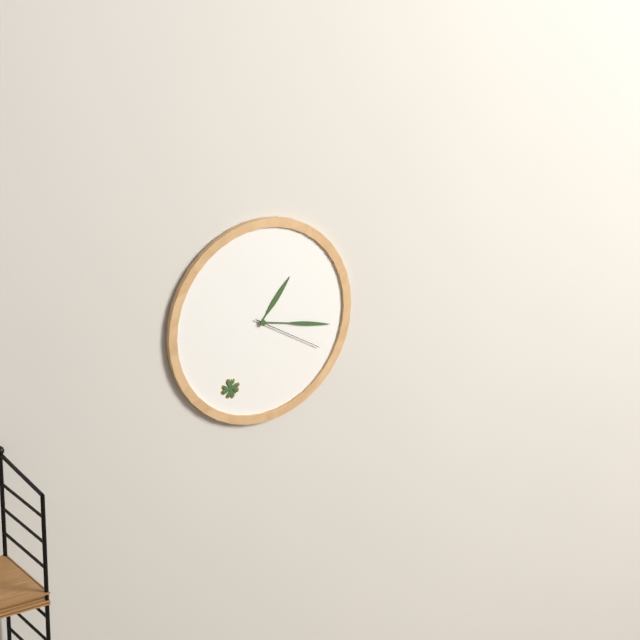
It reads **1:17:20**
